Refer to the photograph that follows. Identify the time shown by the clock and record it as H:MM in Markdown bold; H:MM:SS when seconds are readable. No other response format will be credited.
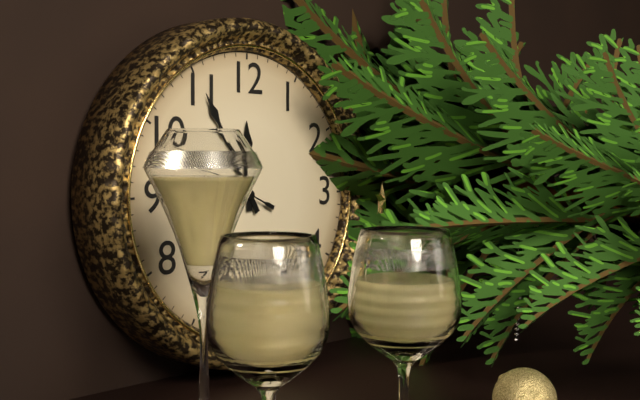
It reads **11:55:49**
